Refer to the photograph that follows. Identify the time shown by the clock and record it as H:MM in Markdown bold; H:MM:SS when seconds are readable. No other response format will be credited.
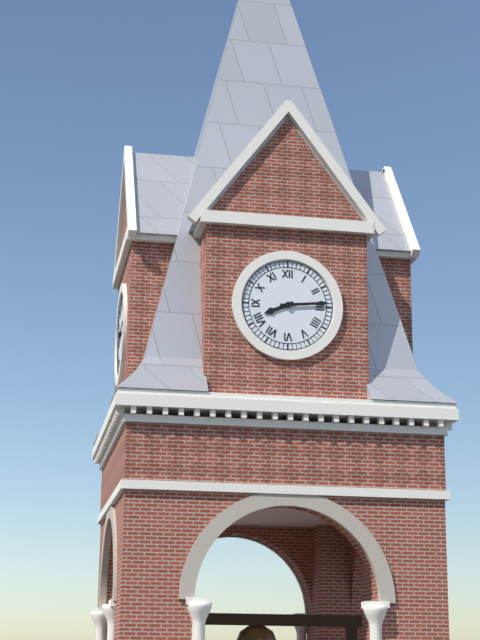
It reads **8:14**
